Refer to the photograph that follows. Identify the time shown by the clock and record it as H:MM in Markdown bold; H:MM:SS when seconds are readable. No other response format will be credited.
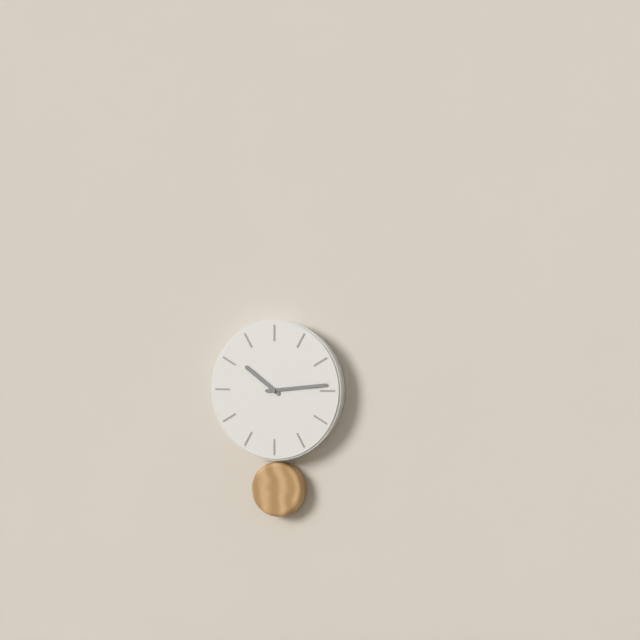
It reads **10:14**
